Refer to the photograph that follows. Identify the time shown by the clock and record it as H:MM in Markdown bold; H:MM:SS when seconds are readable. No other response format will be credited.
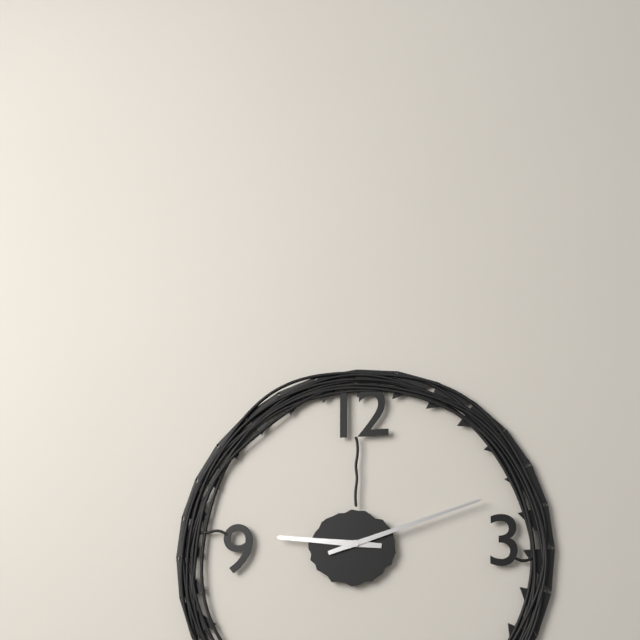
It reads **9:12**
